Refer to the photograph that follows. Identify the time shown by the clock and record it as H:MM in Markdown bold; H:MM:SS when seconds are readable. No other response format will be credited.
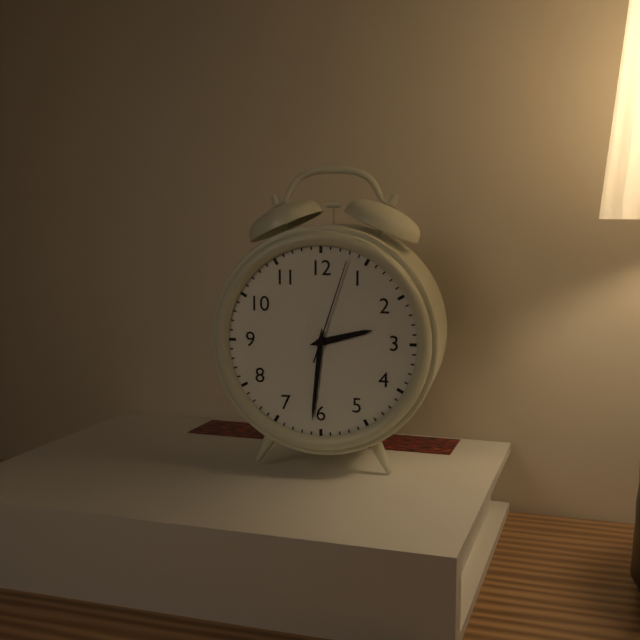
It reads **2:31:03**
